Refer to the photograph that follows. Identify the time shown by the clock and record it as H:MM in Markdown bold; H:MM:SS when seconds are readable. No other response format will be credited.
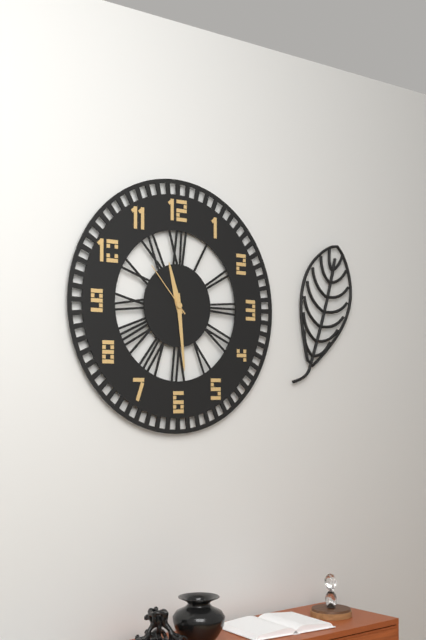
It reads **11:29:53**
